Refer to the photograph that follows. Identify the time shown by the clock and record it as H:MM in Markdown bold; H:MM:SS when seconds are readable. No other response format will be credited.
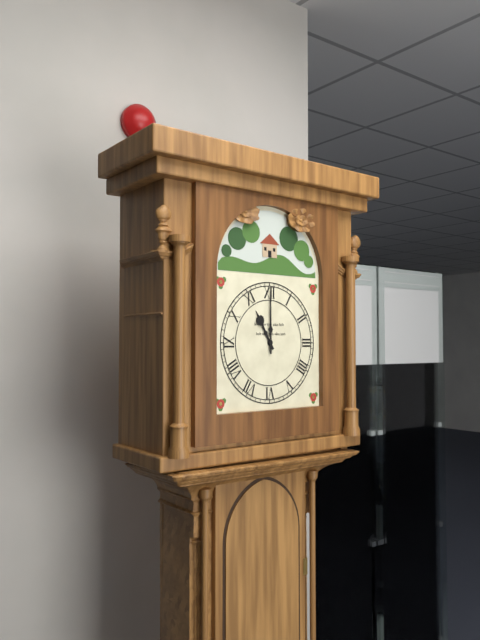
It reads **11:00**
